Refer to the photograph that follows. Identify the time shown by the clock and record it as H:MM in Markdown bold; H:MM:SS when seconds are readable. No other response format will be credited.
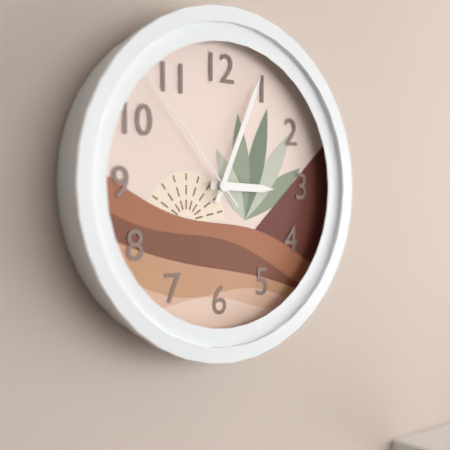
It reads **3:04:53**
